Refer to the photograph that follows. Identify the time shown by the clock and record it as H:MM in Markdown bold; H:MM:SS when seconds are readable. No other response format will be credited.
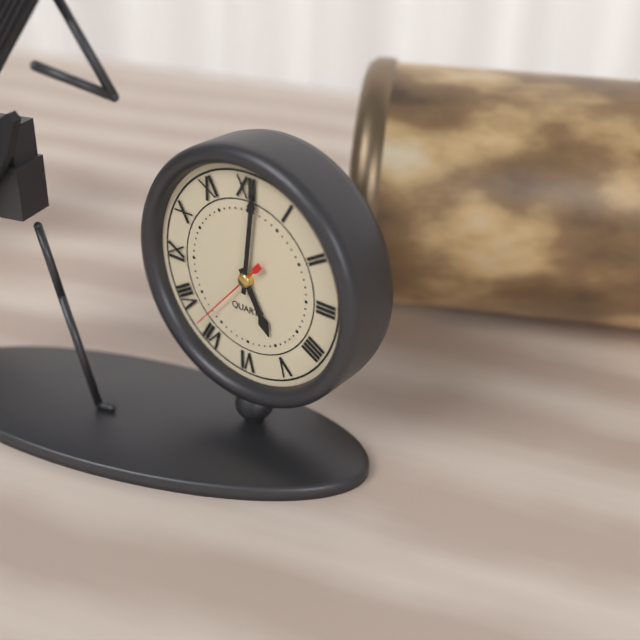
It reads **5:01:37**
